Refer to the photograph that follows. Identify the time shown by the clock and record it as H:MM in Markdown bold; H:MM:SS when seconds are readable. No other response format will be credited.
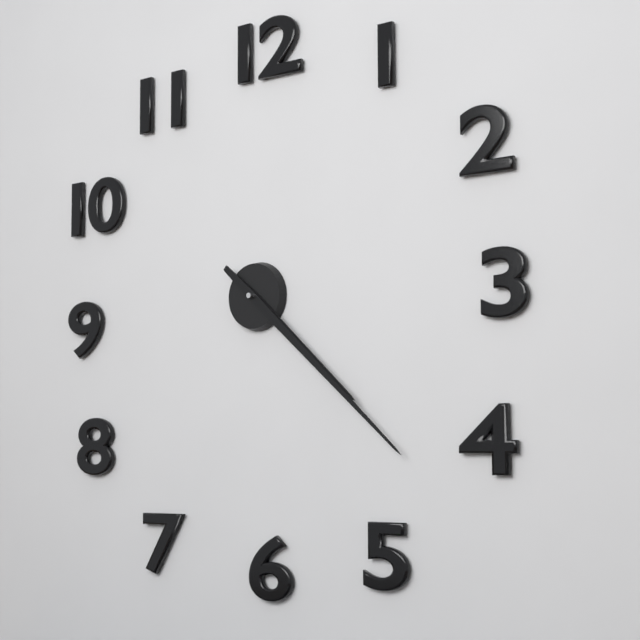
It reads **4:22**
